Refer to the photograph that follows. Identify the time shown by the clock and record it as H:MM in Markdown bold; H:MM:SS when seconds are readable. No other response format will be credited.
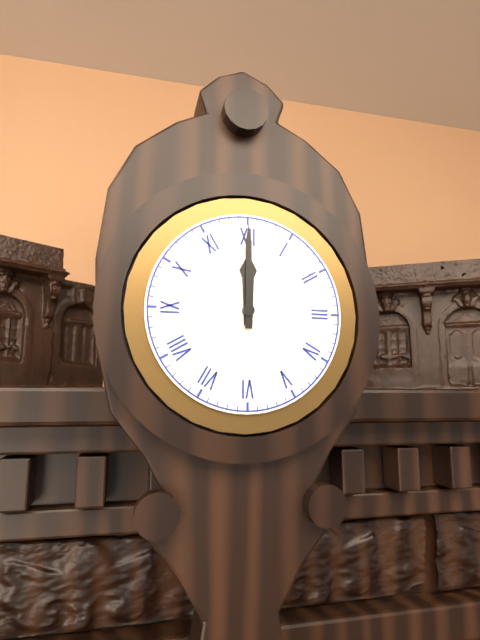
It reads **12:00**
